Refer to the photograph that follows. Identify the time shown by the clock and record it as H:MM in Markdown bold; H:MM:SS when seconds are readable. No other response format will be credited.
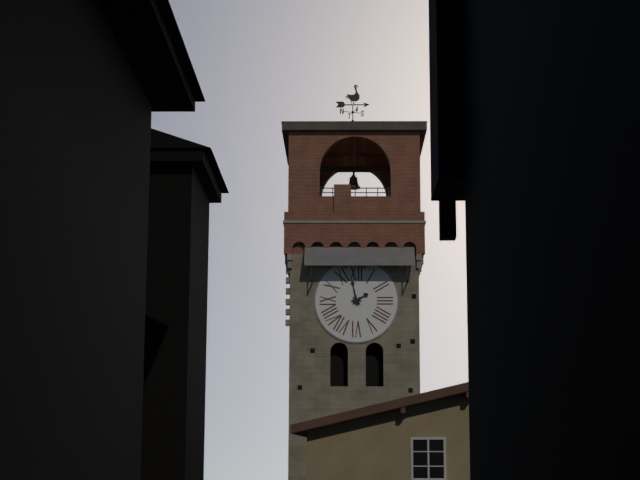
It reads **1:58**
